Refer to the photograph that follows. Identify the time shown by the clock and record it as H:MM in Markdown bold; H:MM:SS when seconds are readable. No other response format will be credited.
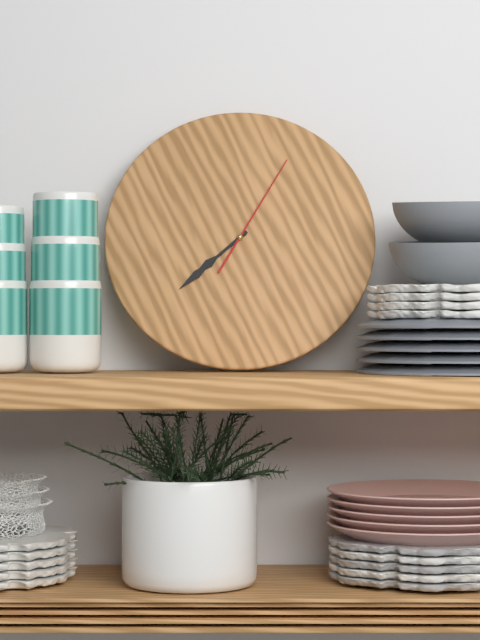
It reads **7:38:05**
